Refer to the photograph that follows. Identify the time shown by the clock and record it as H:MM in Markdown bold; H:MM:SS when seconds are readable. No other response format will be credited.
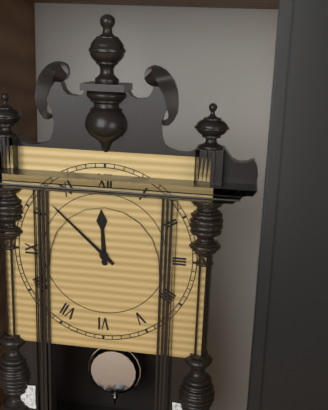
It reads **11:52**
